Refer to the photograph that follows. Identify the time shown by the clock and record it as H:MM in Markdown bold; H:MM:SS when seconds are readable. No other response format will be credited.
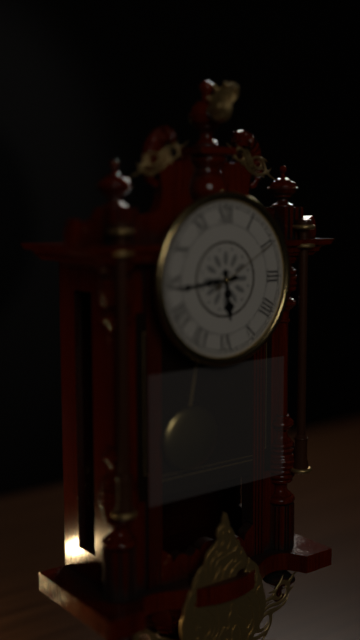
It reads **5:44:10**
